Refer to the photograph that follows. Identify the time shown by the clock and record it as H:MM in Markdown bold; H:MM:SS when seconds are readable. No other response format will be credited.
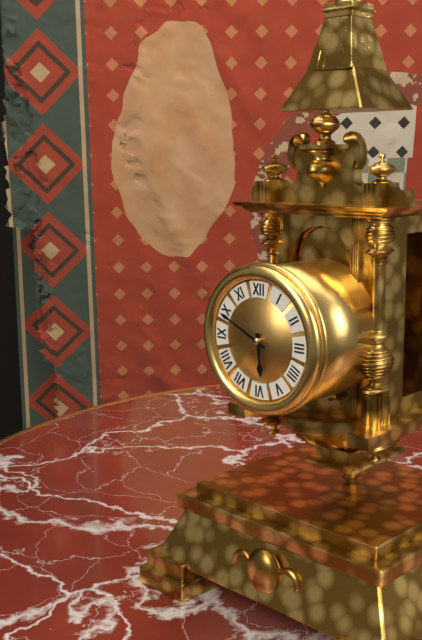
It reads **5:49**
